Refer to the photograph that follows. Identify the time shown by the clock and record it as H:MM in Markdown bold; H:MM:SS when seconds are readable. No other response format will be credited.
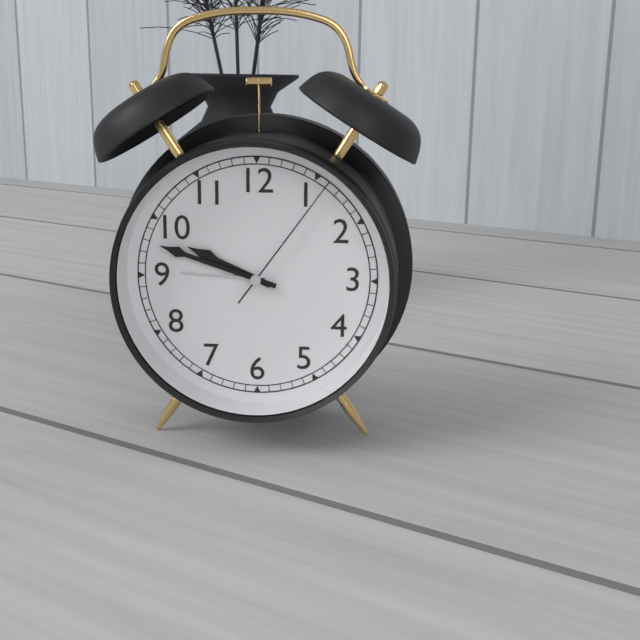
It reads **9:48:06**
